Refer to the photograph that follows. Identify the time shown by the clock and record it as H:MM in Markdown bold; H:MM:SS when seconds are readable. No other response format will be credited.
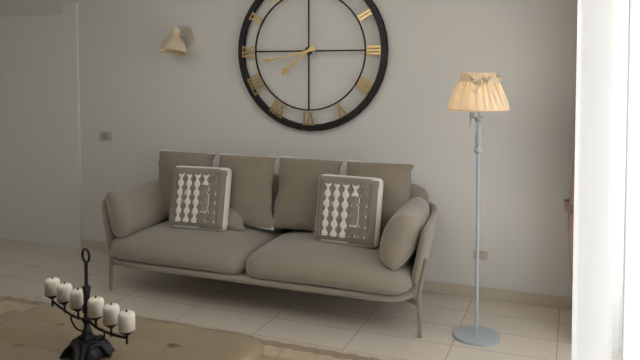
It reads **7:43**
